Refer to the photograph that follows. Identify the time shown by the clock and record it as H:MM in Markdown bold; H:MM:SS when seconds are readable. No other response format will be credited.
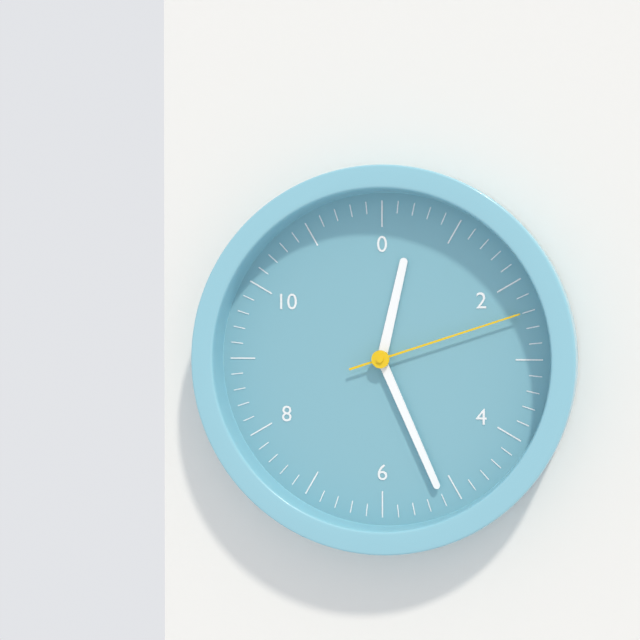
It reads **12:26:12**
